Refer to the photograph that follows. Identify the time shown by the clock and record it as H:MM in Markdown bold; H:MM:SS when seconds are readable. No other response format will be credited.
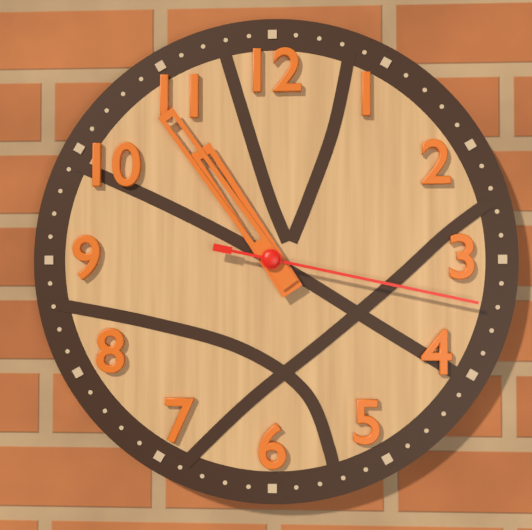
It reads **10:54:17**
